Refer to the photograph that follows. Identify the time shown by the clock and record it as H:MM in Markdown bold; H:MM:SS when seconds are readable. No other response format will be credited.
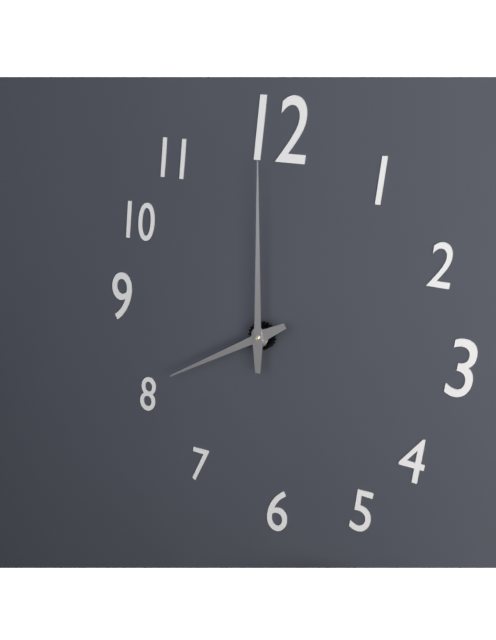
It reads **8:00**
